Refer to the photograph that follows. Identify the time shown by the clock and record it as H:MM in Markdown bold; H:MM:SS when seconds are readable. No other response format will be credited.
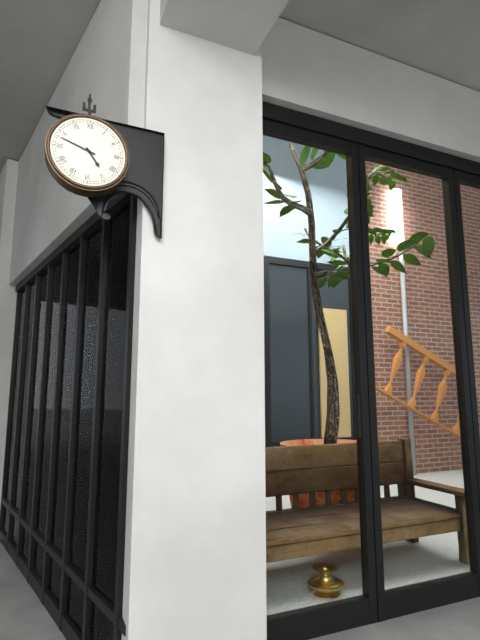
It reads **4:48**
